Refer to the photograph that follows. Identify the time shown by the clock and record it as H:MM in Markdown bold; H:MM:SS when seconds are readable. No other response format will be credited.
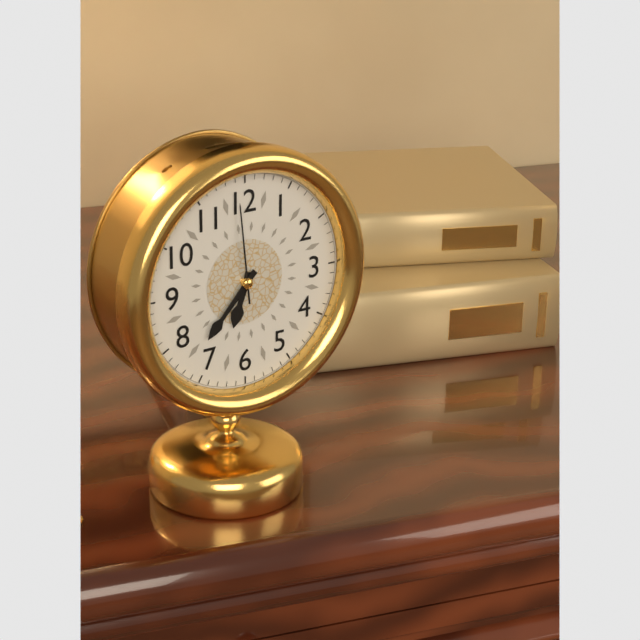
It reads **6:37:59**
